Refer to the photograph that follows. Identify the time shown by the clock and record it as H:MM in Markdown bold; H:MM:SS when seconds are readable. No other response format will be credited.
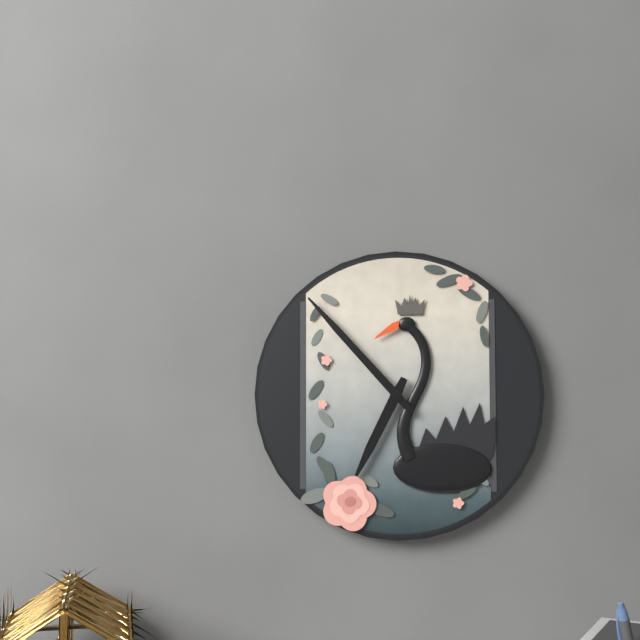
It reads **6:53**
